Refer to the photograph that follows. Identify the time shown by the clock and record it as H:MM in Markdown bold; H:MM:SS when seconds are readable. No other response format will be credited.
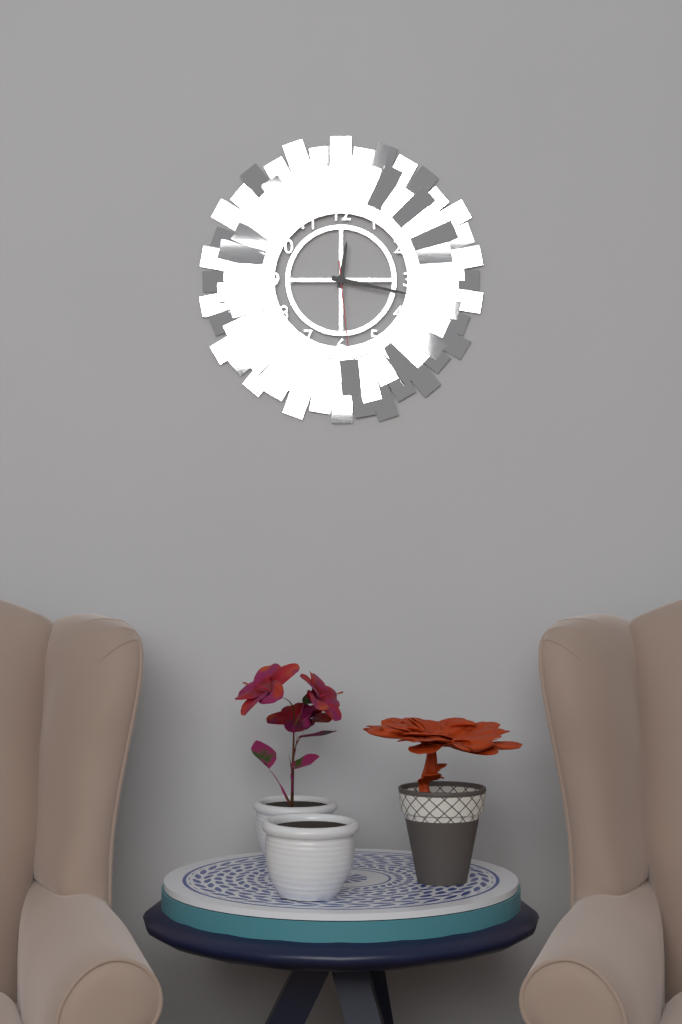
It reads **12:17:29**
